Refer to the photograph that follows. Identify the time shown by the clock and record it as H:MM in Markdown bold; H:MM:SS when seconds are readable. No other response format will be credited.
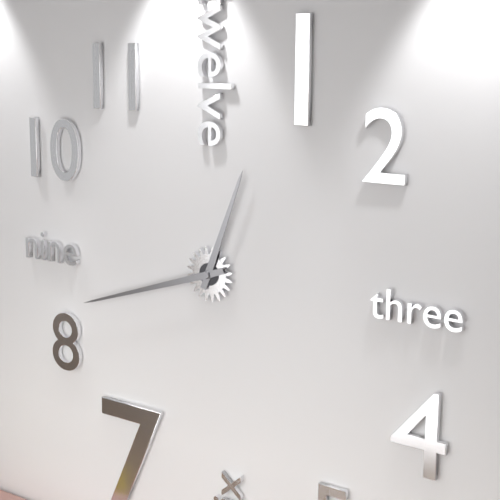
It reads **12:42**
